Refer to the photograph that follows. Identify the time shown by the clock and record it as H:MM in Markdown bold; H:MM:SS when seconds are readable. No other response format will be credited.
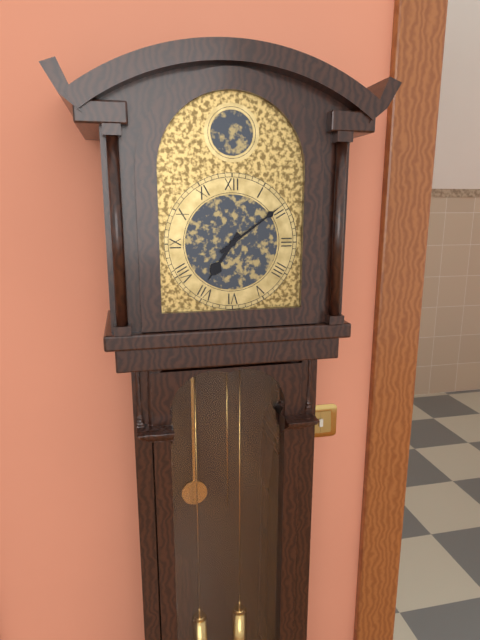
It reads **7:09**
